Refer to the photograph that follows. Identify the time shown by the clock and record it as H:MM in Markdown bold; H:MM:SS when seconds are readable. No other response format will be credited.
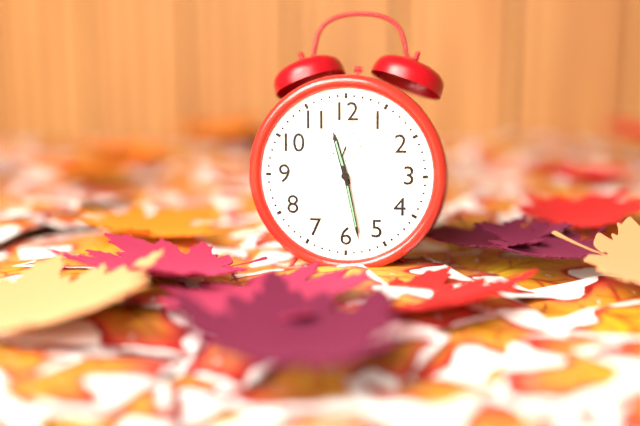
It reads **11:28**
